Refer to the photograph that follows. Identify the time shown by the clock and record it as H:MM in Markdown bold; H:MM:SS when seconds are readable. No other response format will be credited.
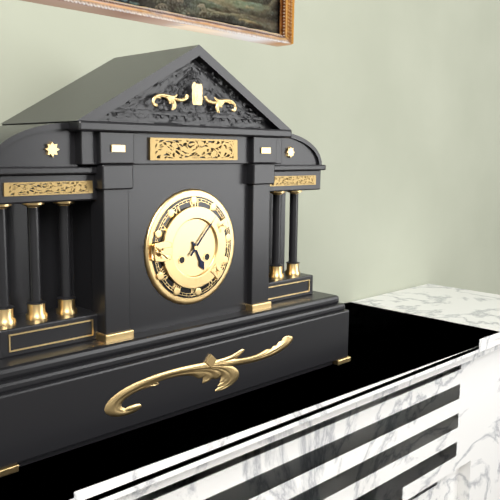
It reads **5:07**
